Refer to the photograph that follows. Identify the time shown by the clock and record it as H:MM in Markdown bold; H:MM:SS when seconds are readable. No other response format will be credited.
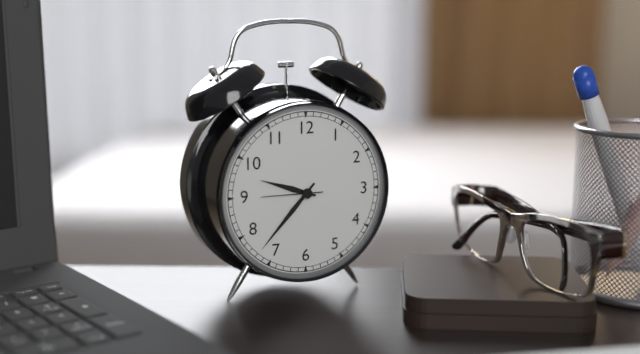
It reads **9:37:45**
